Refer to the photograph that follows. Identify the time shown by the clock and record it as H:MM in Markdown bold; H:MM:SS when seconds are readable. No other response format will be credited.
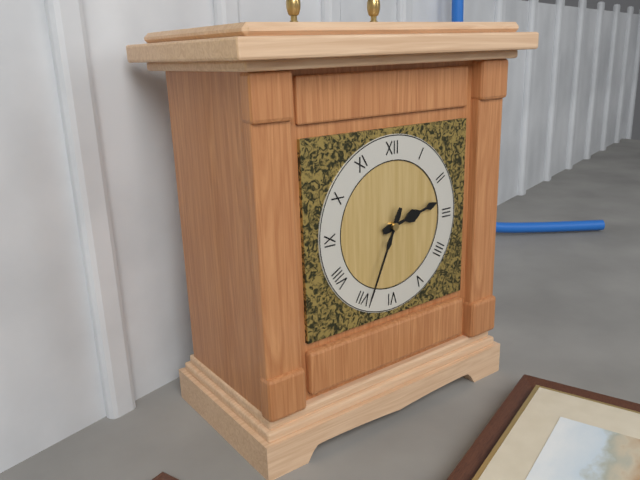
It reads **2:34**
